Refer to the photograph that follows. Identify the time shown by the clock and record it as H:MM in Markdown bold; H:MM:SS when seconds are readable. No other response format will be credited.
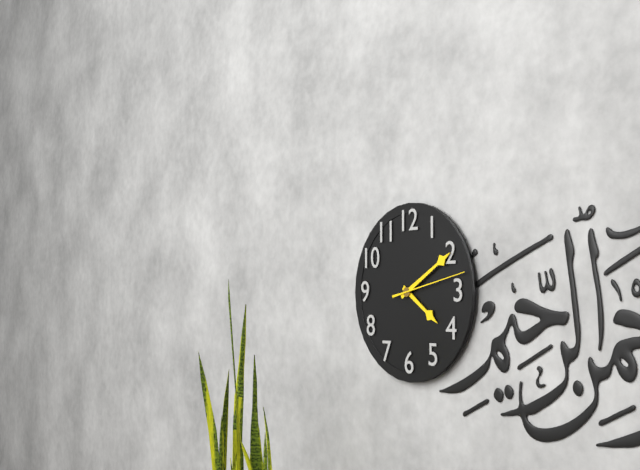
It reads **4:10:13**
